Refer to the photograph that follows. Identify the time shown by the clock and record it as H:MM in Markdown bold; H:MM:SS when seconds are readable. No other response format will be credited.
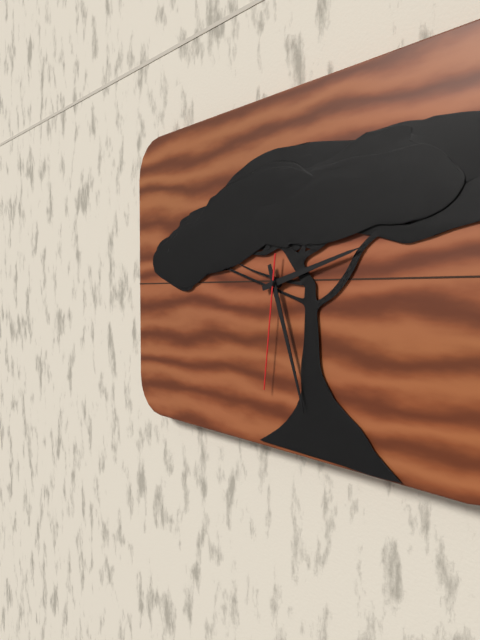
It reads **2:27:31**
